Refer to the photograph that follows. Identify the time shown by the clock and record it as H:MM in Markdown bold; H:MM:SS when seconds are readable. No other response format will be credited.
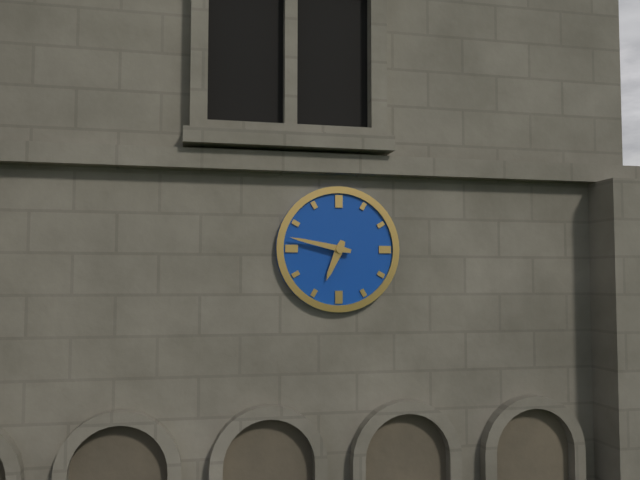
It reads **6:47**
